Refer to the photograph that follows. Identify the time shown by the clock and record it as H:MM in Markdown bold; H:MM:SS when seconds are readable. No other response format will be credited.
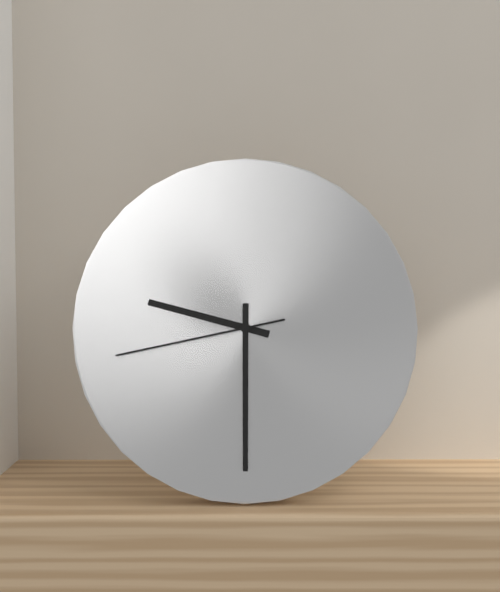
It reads **9:30:43**
